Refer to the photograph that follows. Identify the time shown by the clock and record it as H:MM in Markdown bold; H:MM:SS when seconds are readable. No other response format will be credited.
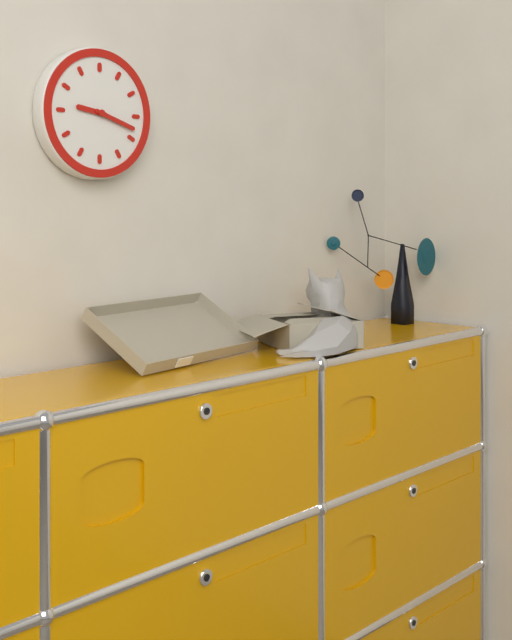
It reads **9:18**
